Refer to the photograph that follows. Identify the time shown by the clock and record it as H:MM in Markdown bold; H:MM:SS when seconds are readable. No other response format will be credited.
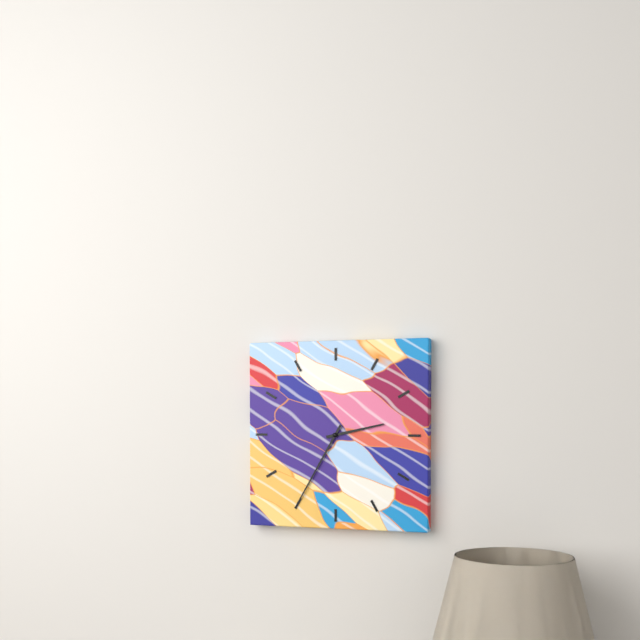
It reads **2:35**
